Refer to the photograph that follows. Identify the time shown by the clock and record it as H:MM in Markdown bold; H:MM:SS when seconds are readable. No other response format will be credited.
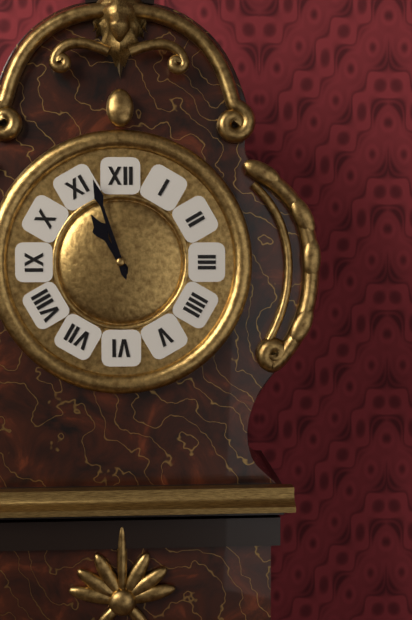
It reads **10:57**
